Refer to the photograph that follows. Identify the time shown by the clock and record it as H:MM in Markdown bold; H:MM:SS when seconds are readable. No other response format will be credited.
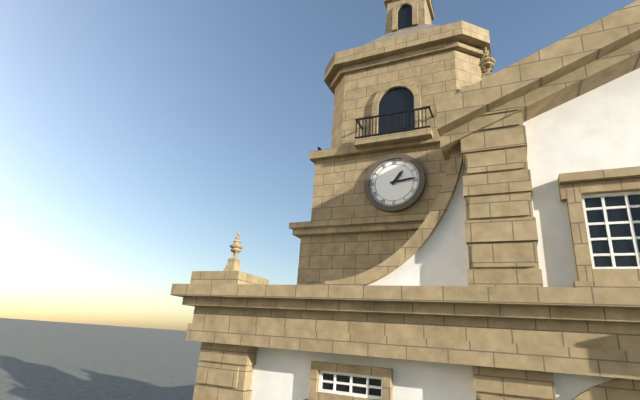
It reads **1:14**
